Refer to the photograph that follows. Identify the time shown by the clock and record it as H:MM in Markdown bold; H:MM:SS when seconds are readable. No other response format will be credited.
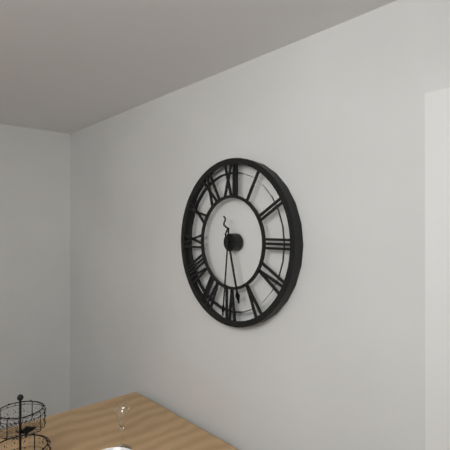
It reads **5:31**
